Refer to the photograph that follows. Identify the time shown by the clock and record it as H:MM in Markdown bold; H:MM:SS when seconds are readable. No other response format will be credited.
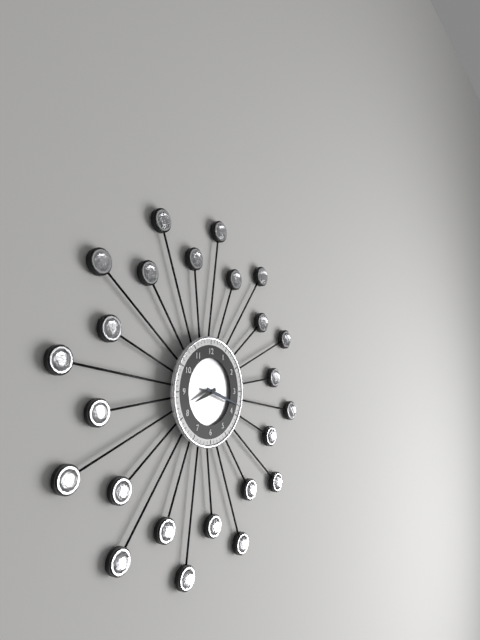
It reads **8:18**
